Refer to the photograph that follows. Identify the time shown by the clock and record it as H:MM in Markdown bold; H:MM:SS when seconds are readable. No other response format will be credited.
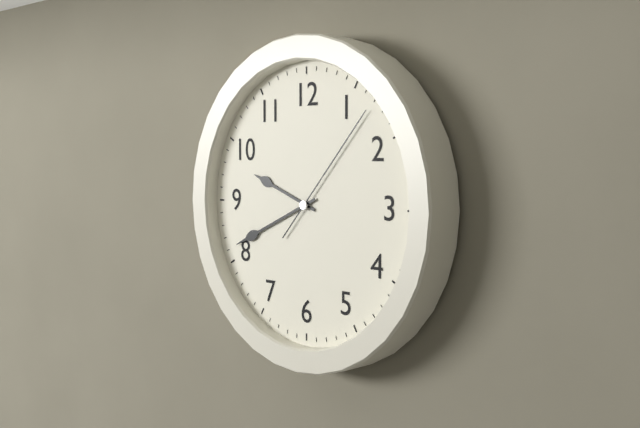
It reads **9:41:07**
